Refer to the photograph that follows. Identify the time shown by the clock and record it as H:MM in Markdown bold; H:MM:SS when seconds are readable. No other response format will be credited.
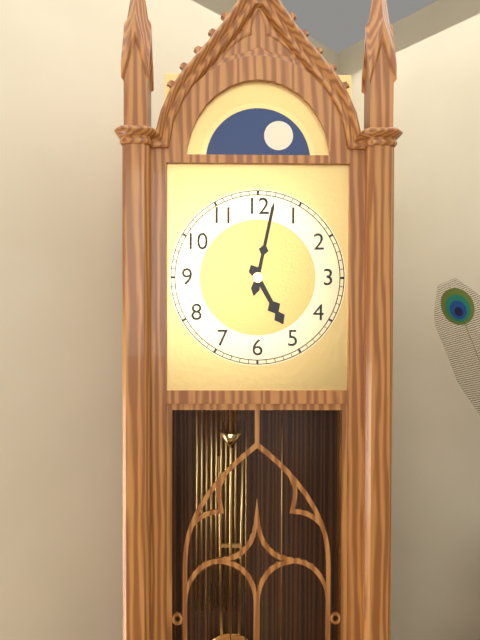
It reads **5:02**
